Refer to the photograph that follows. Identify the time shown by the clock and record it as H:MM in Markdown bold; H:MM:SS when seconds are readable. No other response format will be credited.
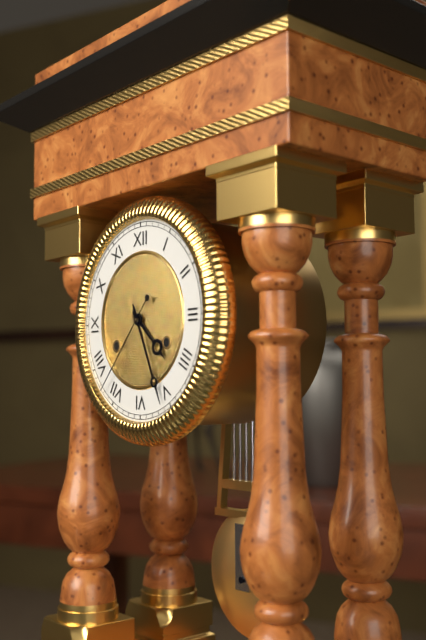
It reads **4:26:37**
